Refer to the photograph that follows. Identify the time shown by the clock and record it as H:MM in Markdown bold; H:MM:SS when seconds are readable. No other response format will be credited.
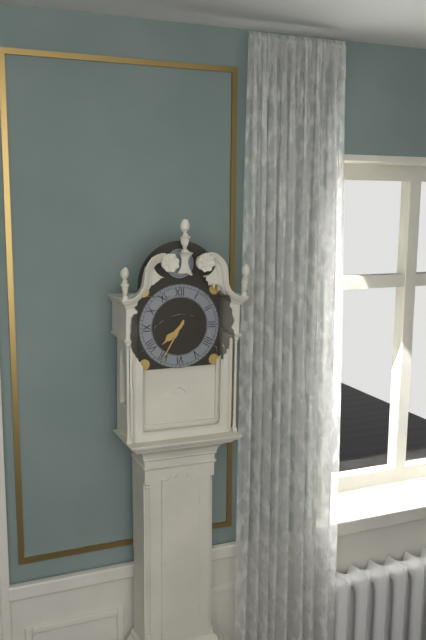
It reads **7:35**
